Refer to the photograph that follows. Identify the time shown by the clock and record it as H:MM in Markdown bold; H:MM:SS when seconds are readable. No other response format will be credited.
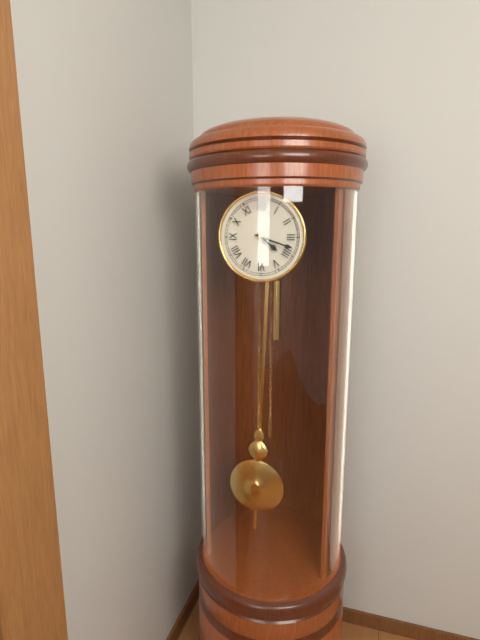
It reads **4:18**
